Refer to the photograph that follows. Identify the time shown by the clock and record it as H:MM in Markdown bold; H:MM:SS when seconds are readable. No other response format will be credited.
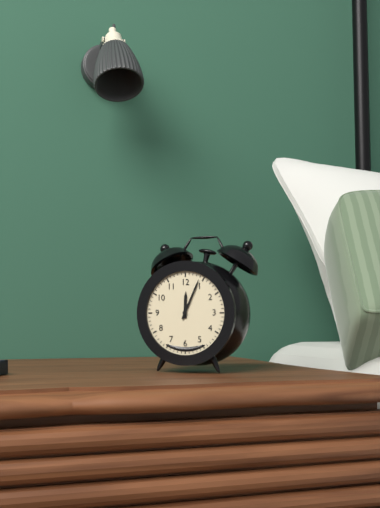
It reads **12:04**
